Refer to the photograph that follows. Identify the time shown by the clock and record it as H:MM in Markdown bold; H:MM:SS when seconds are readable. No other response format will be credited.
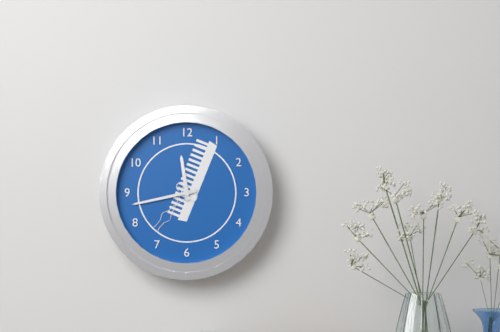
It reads **11:43**
